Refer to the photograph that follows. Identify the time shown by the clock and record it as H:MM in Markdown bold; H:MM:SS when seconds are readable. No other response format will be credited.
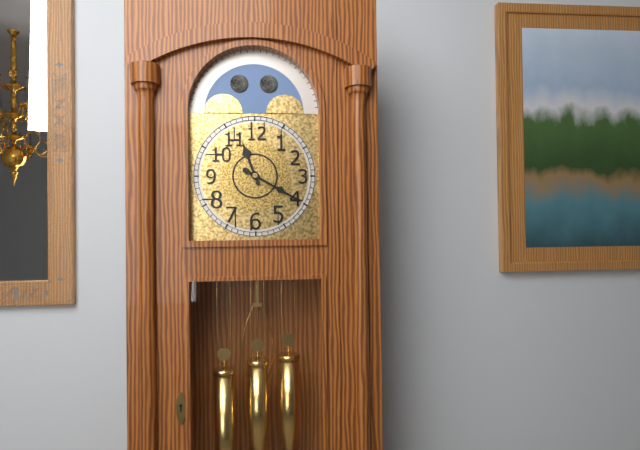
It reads **11:20**
